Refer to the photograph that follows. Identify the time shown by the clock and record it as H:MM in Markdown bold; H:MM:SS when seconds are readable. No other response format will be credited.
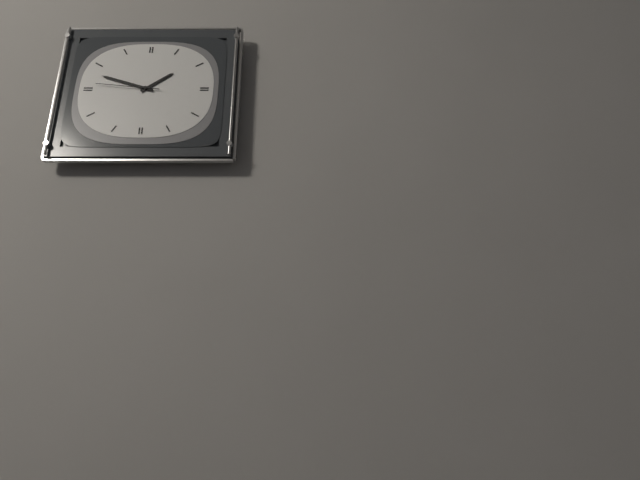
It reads **1:48:46**
